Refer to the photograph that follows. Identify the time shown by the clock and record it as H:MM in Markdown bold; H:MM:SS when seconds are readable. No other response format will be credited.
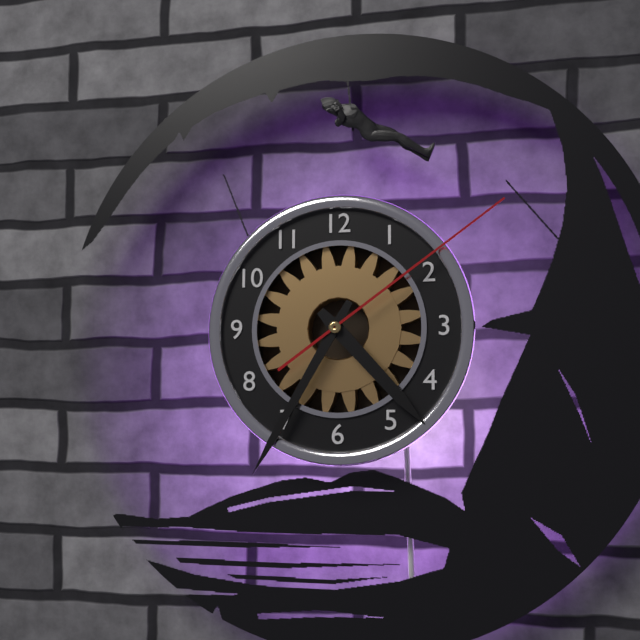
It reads **4:35:09**
